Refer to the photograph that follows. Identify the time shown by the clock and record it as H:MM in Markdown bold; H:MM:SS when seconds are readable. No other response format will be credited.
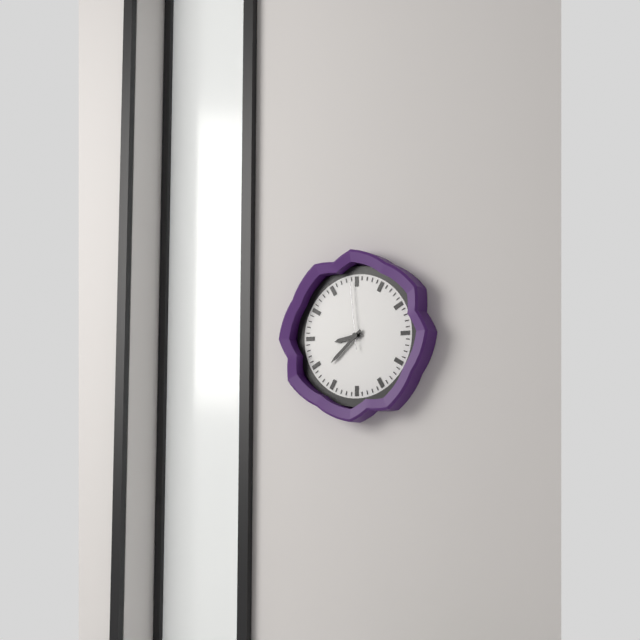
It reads **8:38:59**
